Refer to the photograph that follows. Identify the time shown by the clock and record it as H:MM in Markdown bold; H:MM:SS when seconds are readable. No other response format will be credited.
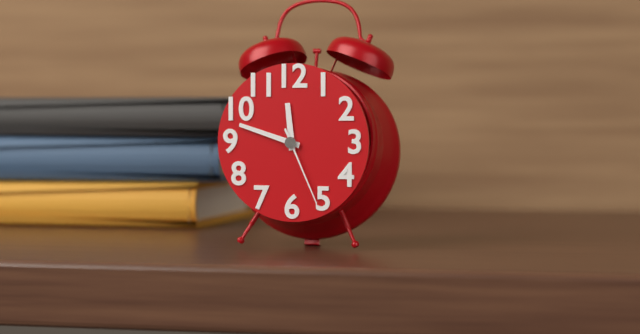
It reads **11:48:26**
